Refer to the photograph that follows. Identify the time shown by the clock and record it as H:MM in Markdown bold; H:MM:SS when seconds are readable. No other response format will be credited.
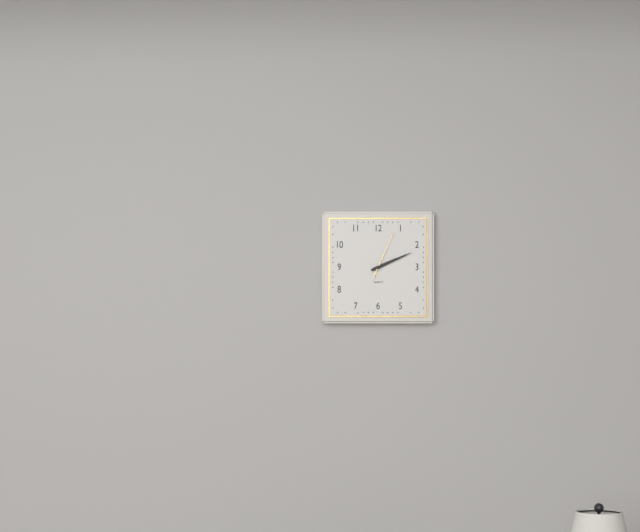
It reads **2:11**
